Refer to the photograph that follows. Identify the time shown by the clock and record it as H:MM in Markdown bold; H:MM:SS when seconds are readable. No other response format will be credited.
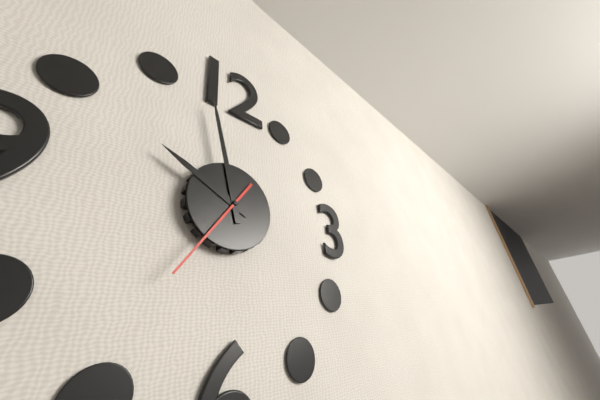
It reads **9:58:36**
